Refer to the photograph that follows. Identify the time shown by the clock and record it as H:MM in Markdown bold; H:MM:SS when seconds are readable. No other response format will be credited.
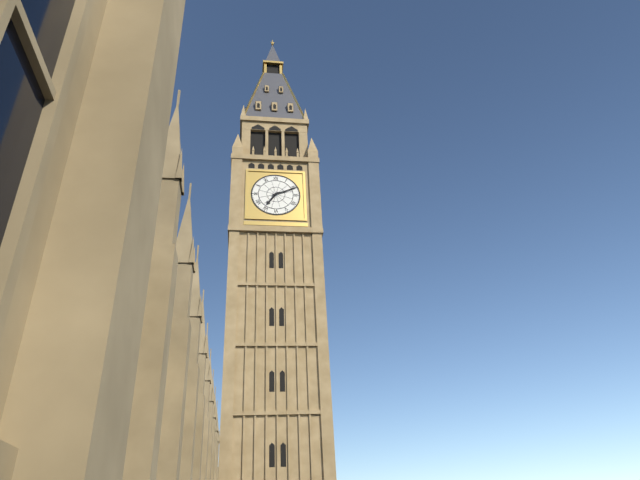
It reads **7:11**
